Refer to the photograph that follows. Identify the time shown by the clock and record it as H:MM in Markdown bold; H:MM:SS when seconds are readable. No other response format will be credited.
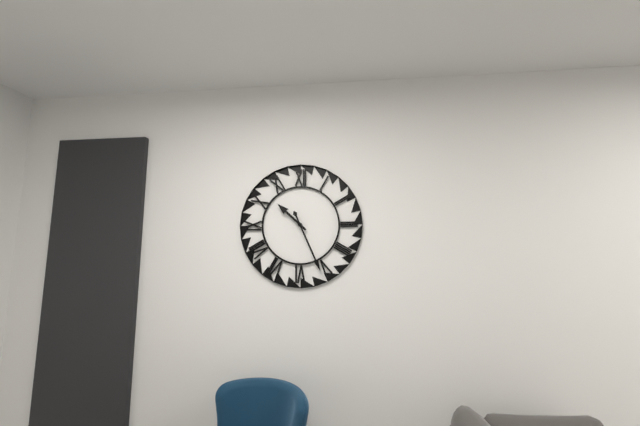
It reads **10:26**
